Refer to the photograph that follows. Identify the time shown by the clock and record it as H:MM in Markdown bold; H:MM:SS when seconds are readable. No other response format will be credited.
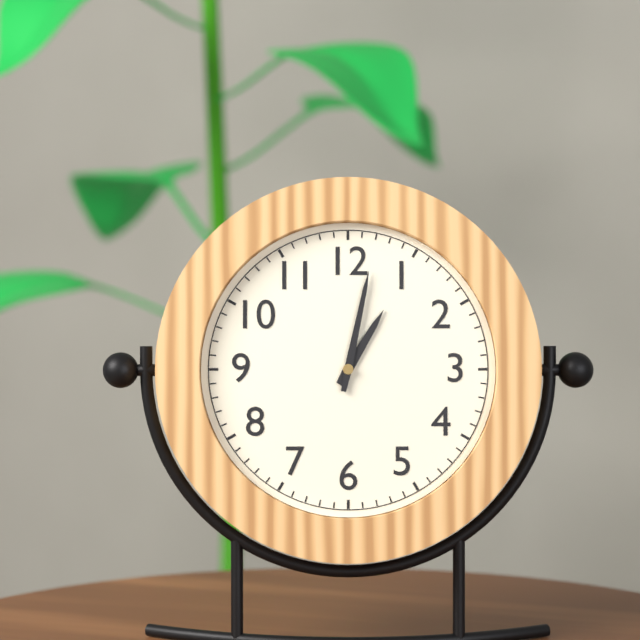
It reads **1:02**
